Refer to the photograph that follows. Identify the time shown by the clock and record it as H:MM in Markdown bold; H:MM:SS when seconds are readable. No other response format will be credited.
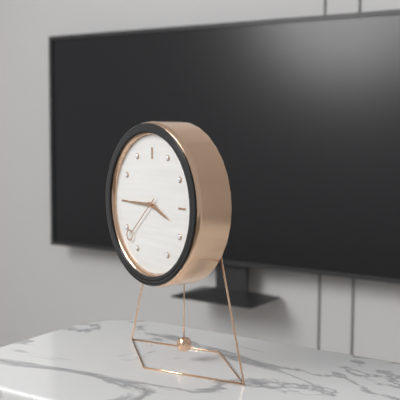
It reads **3:45:38**
